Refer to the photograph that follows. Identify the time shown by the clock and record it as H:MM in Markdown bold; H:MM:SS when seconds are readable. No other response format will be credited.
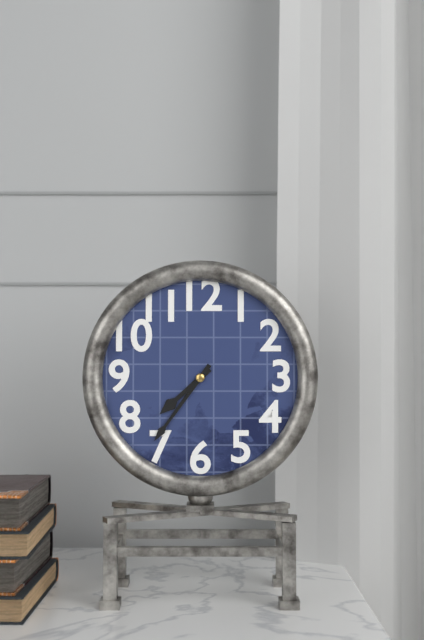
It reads **7:36**
